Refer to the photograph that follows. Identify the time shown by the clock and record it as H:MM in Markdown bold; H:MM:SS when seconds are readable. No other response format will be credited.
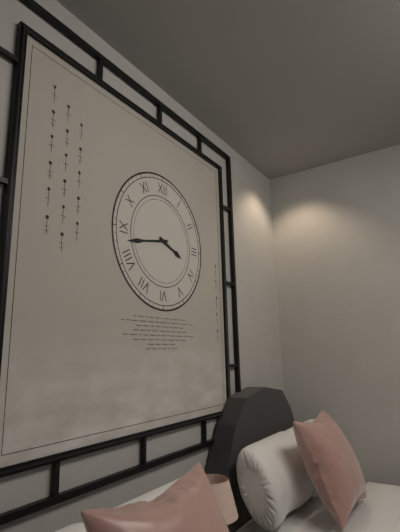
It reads **3:43**
